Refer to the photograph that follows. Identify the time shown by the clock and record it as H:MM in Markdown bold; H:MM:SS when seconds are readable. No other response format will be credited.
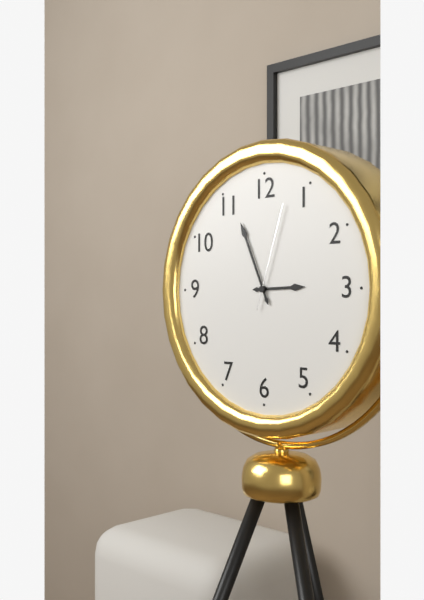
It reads **2:56:03**
